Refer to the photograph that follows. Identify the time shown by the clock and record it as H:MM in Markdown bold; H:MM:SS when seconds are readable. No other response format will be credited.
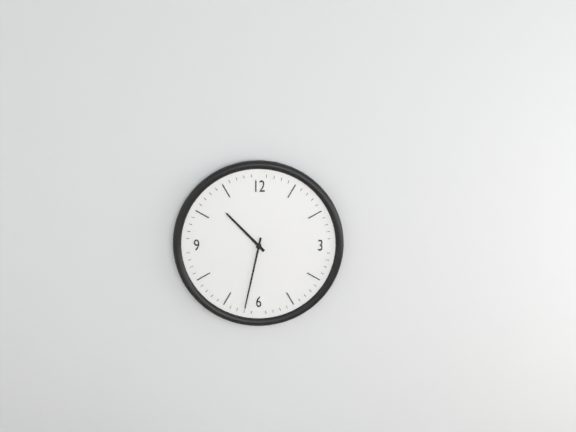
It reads **10:32**
